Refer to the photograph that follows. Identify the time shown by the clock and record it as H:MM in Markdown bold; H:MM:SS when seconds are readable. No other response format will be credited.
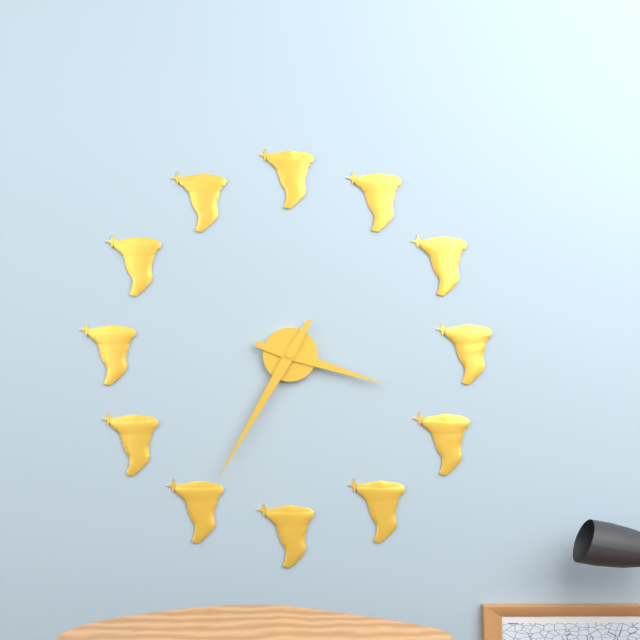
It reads **3:35**
